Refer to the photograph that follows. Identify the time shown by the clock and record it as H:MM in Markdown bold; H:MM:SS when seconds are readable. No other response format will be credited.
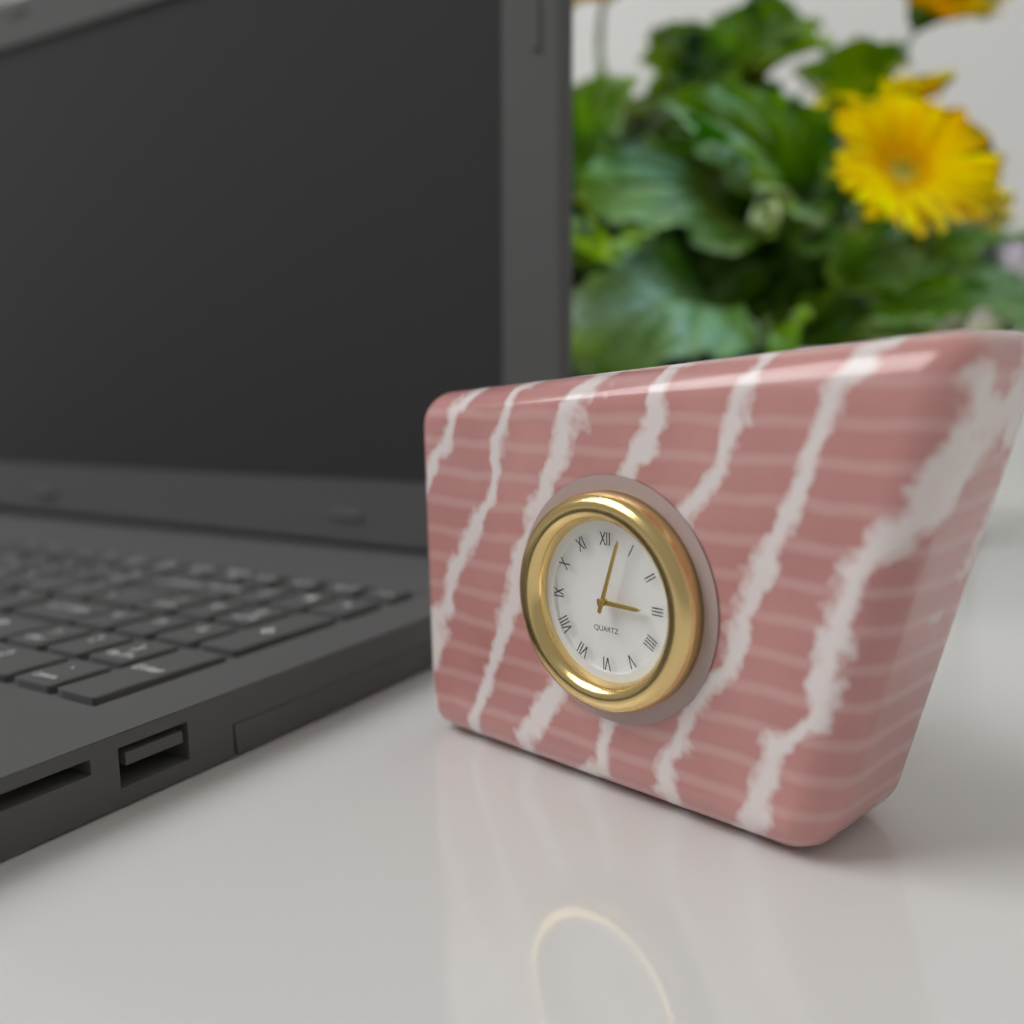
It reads **3:03**
